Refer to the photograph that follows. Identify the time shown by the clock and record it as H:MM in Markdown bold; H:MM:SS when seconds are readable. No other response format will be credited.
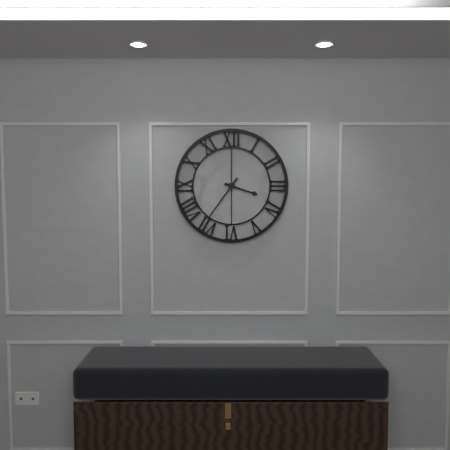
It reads **3:36**
